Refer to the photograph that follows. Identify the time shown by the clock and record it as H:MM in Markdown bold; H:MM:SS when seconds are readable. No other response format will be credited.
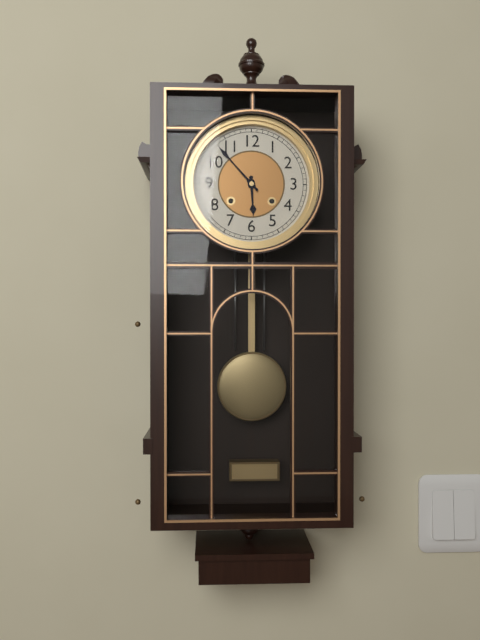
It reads **5:53**
